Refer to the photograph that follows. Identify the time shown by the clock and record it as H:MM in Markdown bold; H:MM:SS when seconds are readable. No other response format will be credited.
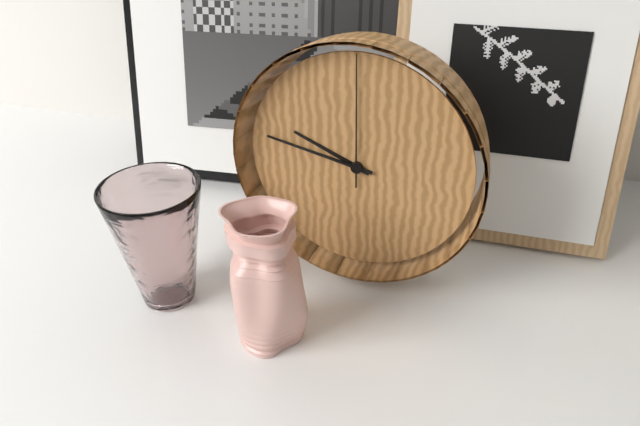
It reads **9:47:00**
